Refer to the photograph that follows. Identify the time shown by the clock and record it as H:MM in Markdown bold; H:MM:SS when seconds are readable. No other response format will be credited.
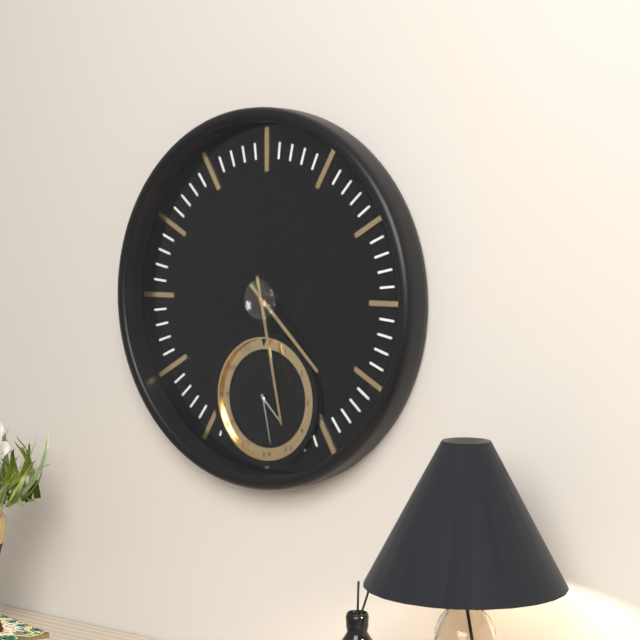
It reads **4:28**
